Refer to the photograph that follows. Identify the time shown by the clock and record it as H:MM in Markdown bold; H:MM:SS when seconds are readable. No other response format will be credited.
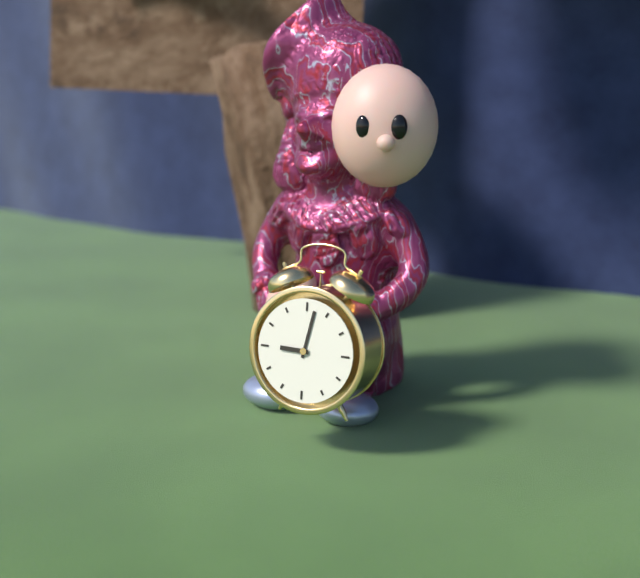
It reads **9:02**
